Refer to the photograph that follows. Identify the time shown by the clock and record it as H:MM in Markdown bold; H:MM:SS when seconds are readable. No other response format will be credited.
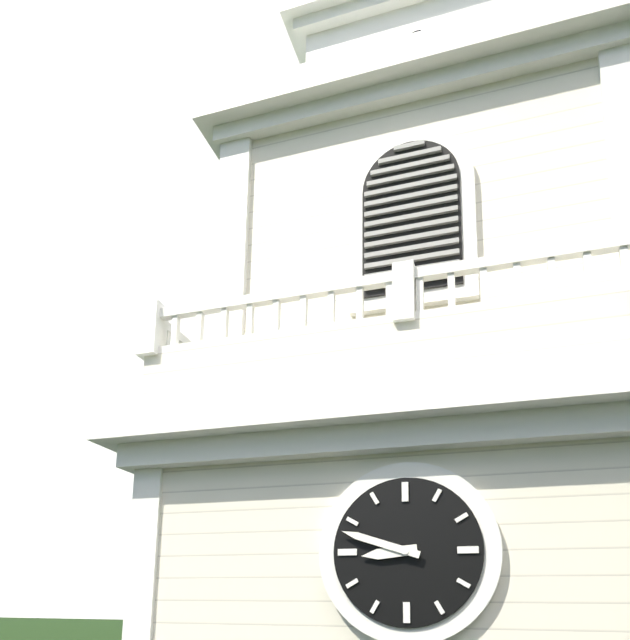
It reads **8:48**
